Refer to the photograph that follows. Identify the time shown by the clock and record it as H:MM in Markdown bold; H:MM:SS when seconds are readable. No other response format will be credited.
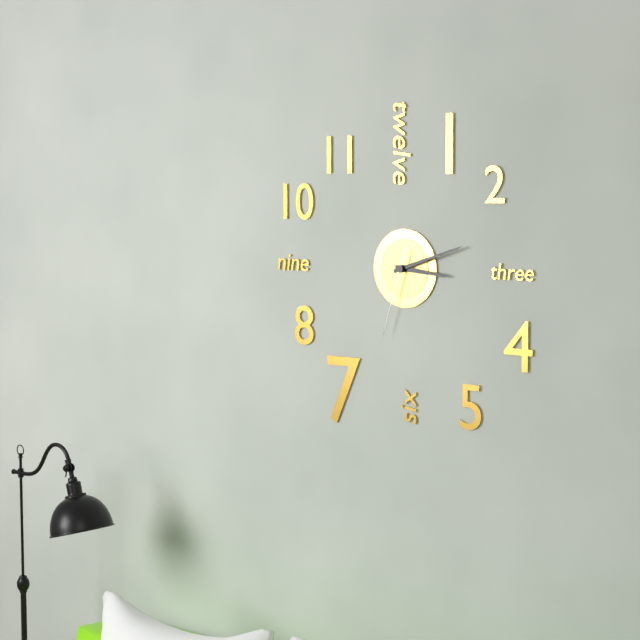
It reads **3:12:33**
